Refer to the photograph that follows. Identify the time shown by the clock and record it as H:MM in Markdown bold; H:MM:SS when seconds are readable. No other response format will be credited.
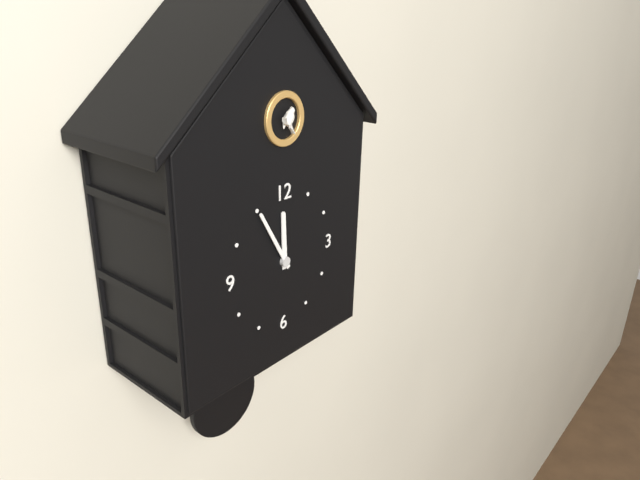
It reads **11:55**
